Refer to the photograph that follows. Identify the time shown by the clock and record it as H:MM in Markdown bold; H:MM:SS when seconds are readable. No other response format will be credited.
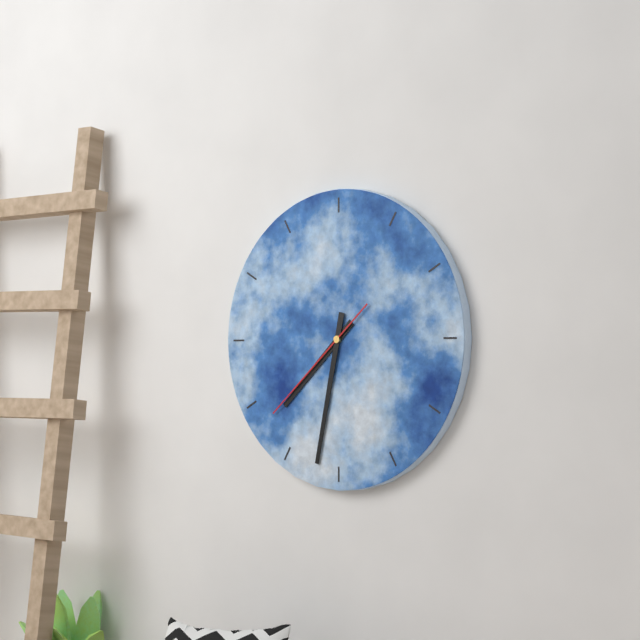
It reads **7:32:38**
